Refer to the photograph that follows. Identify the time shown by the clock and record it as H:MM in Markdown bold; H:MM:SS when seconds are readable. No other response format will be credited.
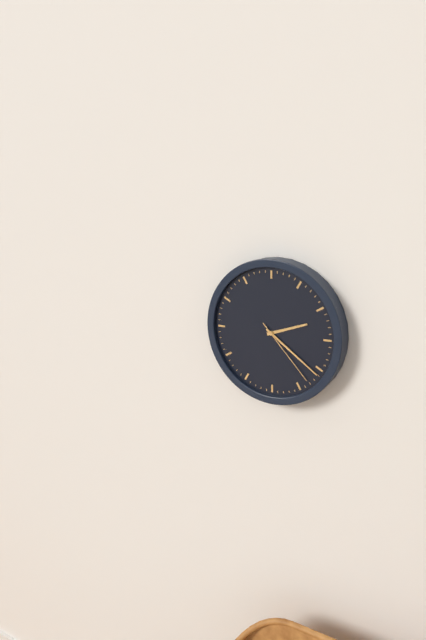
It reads **2:21:23**
